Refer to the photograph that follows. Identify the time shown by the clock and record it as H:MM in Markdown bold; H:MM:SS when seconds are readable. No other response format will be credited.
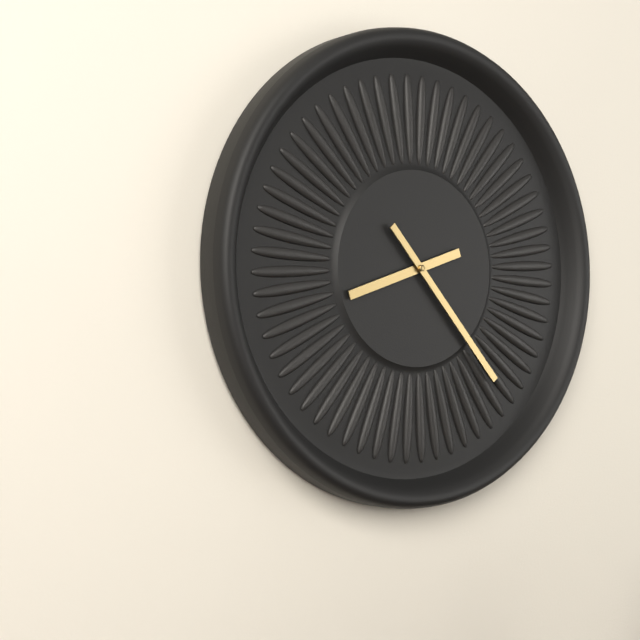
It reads **8:23**
